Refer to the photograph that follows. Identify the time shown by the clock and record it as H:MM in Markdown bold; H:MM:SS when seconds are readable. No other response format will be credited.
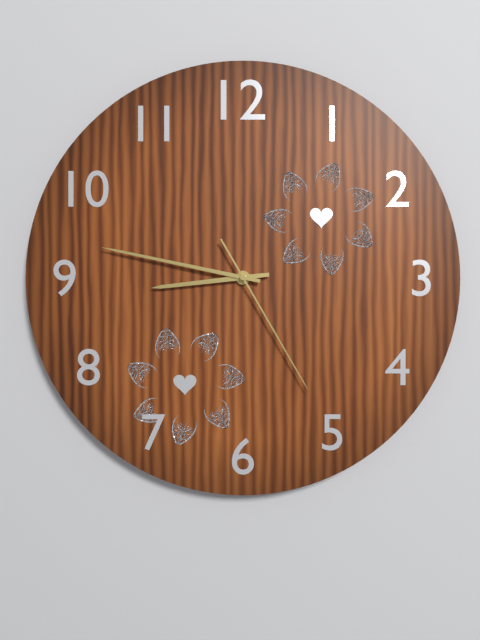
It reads **8:47:25**
